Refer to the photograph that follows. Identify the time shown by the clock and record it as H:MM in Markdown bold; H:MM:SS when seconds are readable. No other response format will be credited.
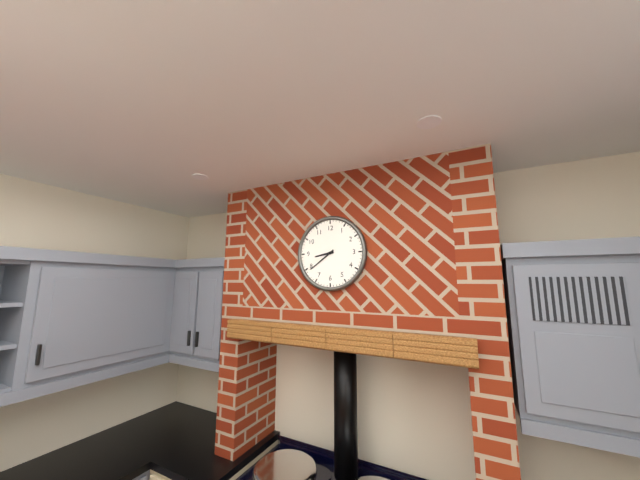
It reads **8:39**
